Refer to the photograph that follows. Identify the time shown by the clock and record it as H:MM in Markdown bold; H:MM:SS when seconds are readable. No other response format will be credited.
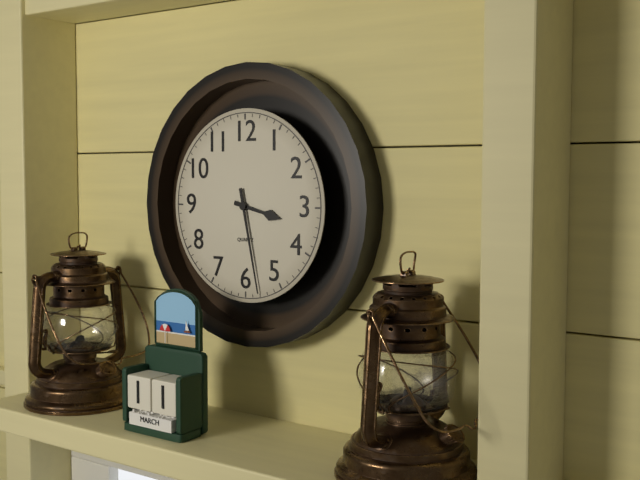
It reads **3:28**
